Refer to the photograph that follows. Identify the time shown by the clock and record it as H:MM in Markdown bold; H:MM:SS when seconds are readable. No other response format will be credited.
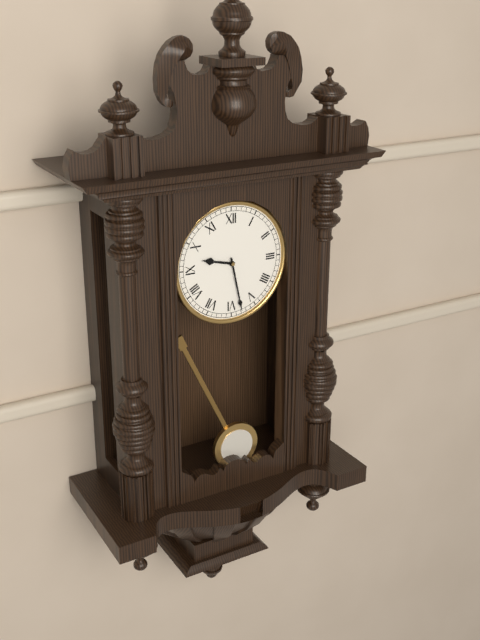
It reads **9:28**
